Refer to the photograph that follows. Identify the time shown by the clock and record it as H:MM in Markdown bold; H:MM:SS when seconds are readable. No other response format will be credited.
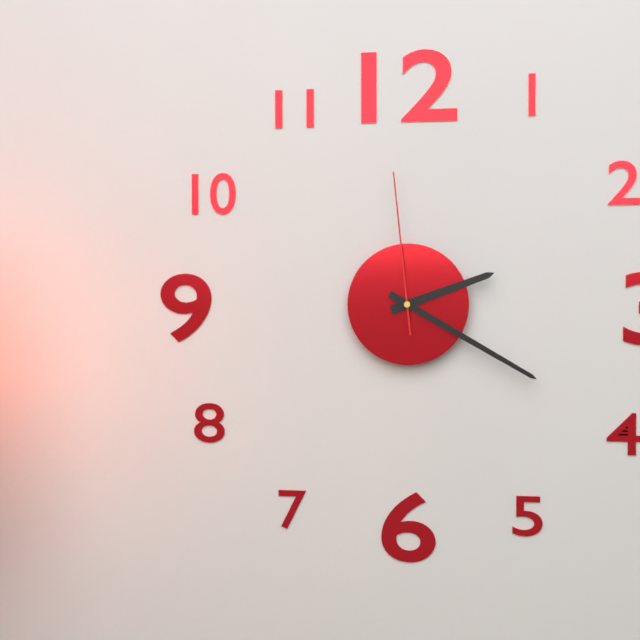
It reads **2:20:59**
